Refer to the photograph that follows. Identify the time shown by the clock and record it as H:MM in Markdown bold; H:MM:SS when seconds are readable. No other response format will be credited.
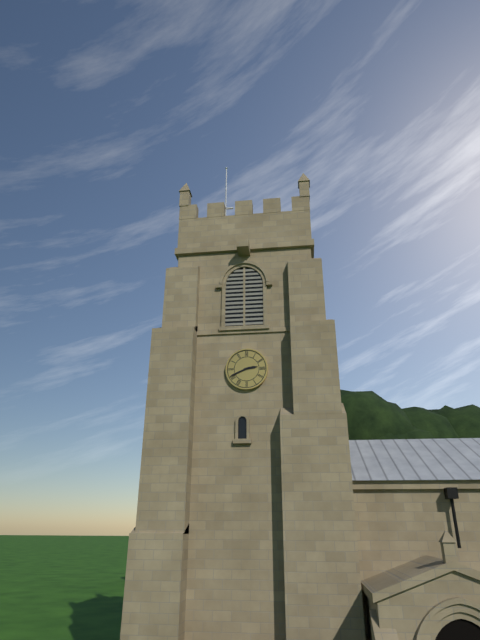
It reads **2:41**
